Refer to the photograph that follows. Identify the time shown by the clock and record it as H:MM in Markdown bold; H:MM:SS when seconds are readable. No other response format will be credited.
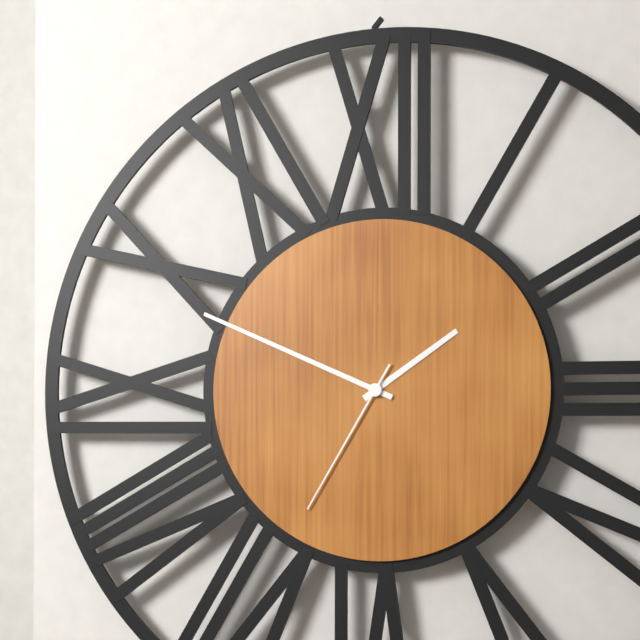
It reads **1:49:35**
